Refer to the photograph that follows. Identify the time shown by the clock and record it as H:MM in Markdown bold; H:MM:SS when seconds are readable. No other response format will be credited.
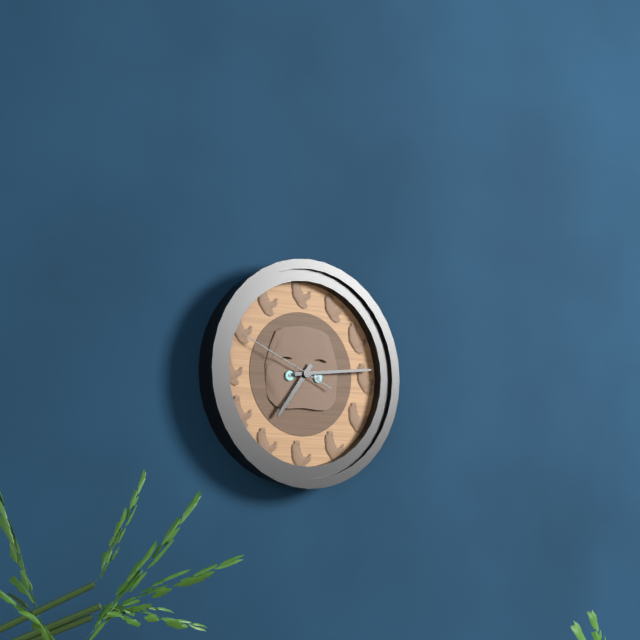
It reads **7:14:49**
